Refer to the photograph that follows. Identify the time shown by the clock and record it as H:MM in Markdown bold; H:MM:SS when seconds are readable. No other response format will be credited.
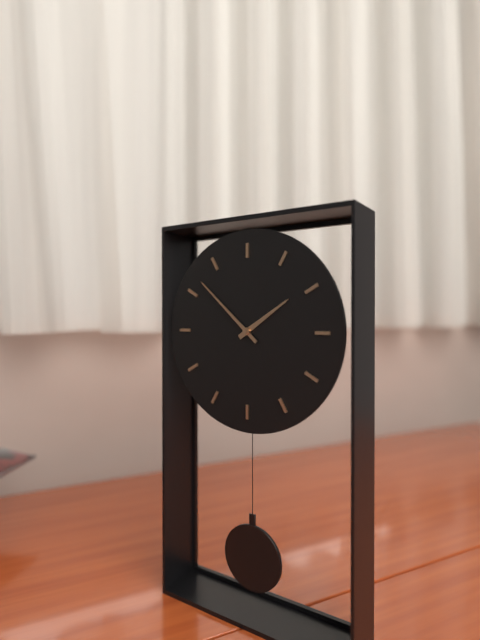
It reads **1:52**
